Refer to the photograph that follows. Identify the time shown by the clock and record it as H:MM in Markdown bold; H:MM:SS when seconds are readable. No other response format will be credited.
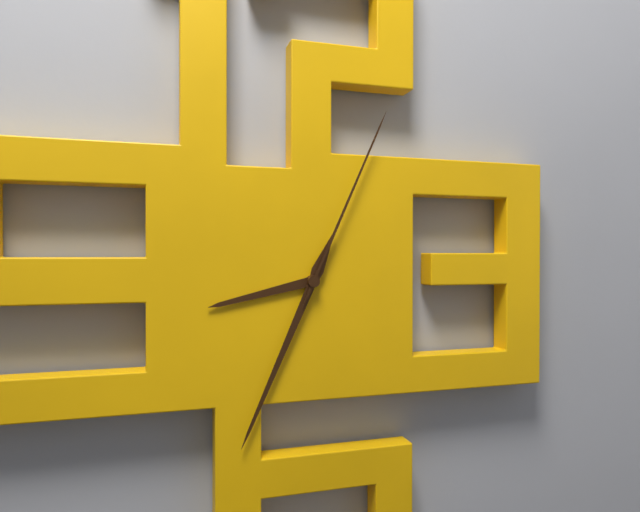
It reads **8:34:04**
